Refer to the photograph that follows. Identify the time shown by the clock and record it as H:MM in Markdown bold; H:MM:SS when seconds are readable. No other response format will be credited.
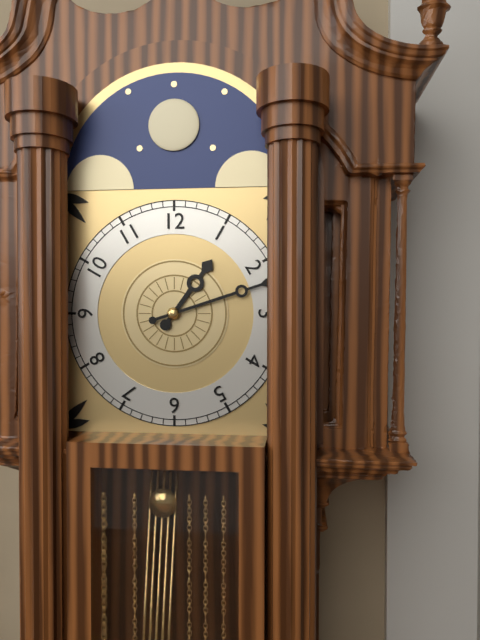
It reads **1:12**
